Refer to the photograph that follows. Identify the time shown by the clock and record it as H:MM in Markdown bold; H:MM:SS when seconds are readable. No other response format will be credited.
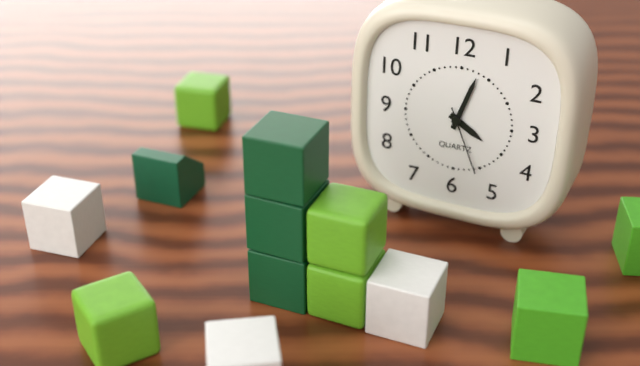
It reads **4:03:26**
